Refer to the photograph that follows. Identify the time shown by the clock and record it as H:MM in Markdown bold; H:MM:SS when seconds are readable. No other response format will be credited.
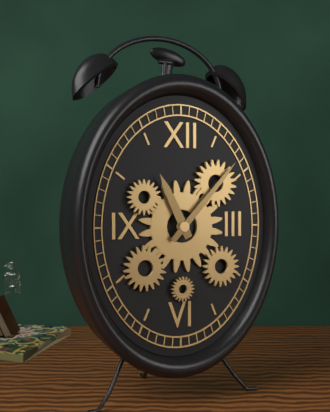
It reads **11:07**
